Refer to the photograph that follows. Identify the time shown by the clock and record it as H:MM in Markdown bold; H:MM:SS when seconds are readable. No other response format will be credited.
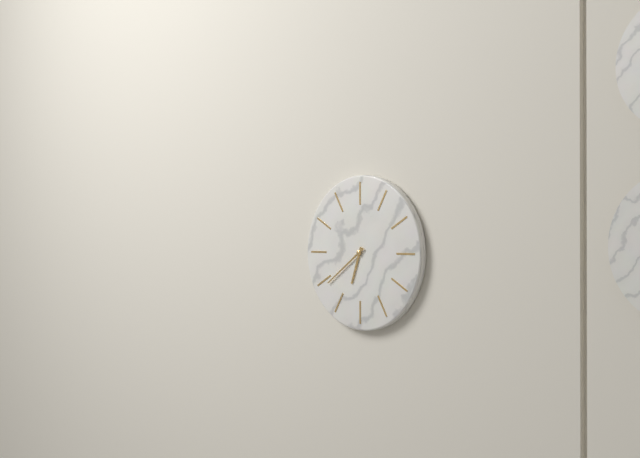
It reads **6:39**
